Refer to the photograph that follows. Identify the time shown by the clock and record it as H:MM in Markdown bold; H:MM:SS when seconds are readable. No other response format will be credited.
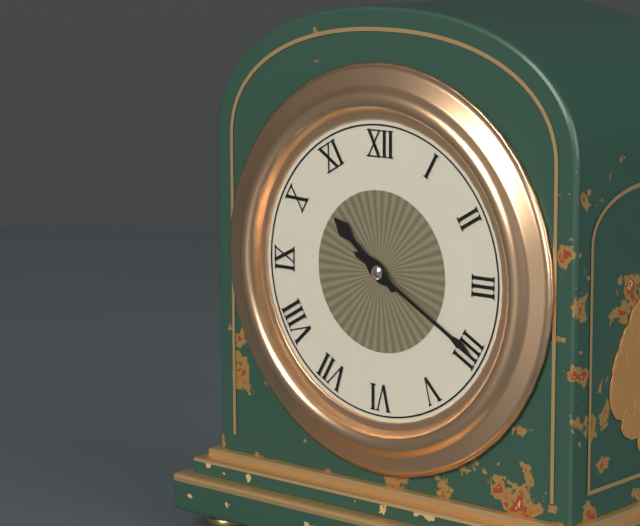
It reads **10:20**
